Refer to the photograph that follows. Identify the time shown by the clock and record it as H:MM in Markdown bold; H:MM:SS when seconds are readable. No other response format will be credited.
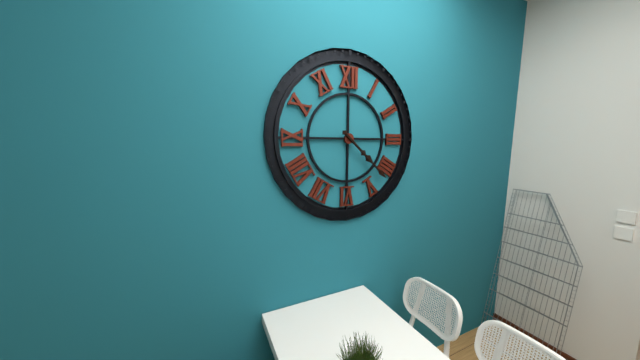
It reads **4:22**
